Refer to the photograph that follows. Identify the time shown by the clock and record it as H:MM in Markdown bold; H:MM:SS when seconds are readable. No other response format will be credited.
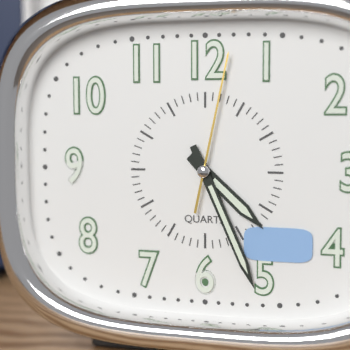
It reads **4:26:02**
